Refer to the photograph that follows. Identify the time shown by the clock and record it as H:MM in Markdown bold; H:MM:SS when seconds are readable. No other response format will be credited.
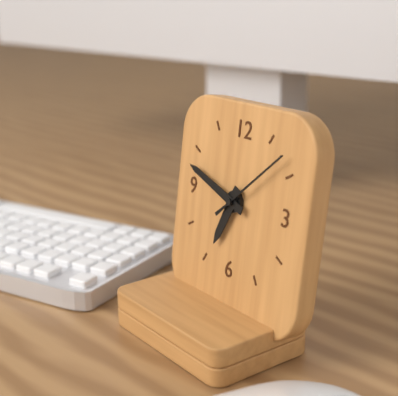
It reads **6:48:08**
